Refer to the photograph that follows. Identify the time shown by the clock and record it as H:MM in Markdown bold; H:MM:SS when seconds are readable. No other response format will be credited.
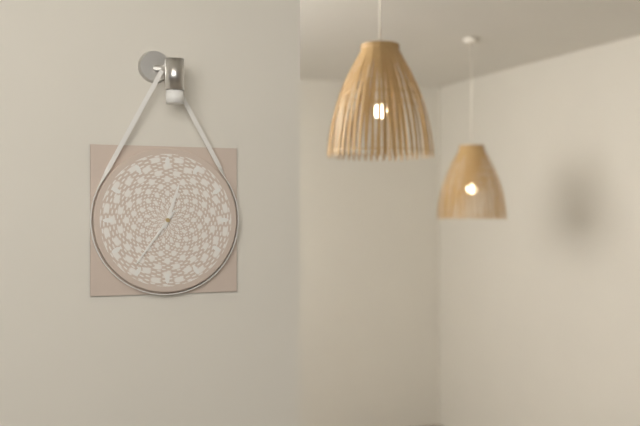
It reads **12:36**
